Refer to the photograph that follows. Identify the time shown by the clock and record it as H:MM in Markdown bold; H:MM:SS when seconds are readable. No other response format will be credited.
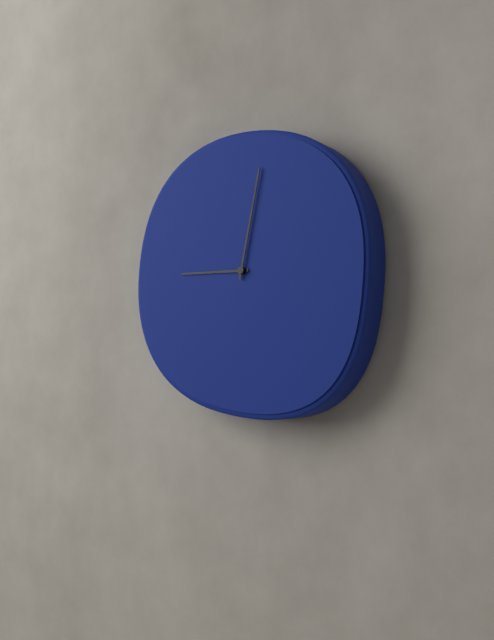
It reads **9:02**
